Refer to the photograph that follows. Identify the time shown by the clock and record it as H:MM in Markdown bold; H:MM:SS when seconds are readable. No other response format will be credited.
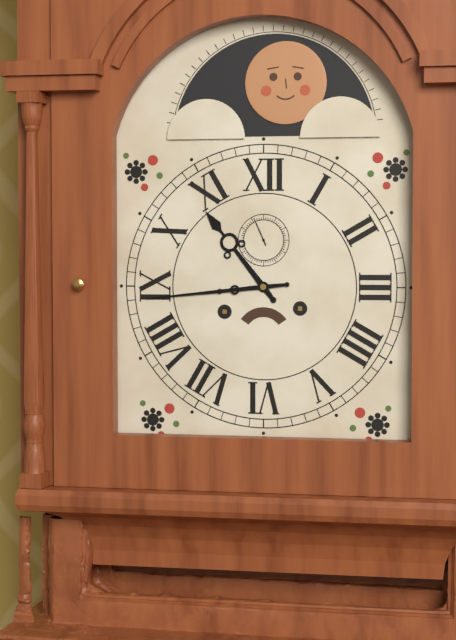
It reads **10:44**
